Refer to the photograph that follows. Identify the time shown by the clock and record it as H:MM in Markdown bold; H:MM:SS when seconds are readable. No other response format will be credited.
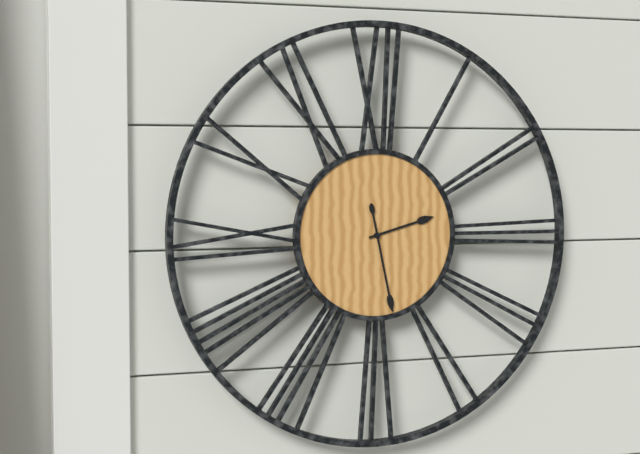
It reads **2:28**
